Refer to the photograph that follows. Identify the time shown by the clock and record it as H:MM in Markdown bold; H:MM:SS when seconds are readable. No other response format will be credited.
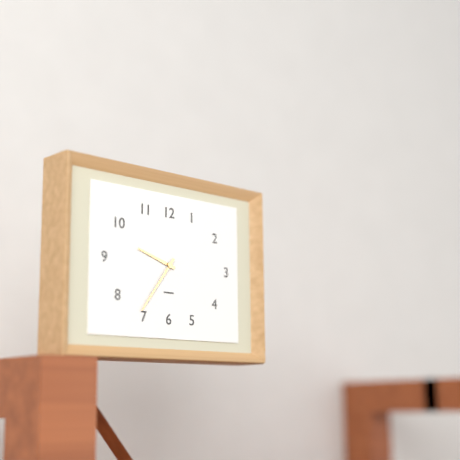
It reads **9:36**
